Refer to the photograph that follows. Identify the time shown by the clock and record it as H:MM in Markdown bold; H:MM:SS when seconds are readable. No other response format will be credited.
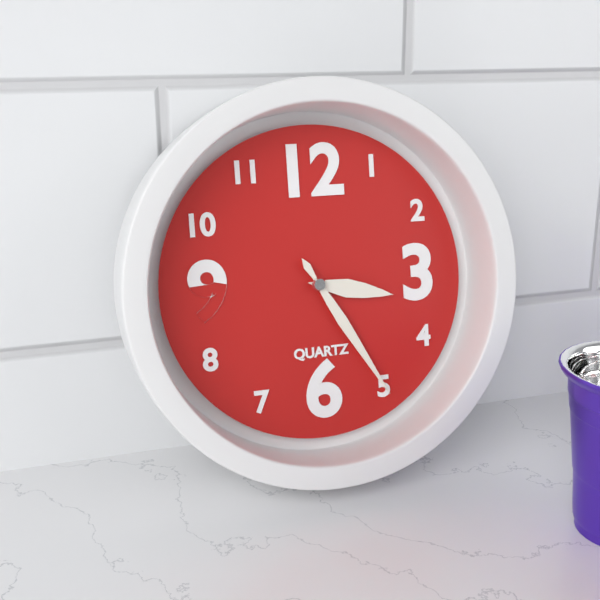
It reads **3:25**
